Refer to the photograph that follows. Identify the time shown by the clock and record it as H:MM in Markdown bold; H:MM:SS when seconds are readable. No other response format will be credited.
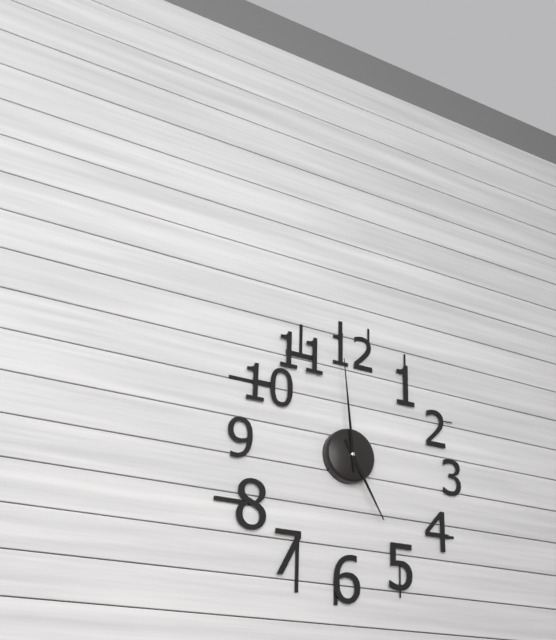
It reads **4:59**
